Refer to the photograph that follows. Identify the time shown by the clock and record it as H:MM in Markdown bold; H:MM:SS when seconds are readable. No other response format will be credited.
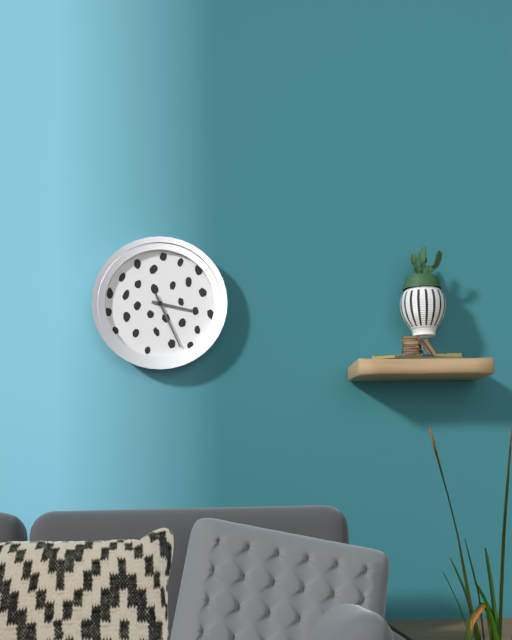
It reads **3:26**
